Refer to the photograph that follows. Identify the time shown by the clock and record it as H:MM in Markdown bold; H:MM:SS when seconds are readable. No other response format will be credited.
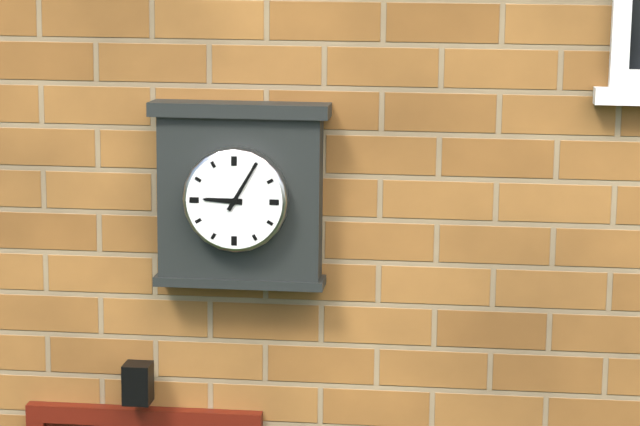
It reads **9:05**
